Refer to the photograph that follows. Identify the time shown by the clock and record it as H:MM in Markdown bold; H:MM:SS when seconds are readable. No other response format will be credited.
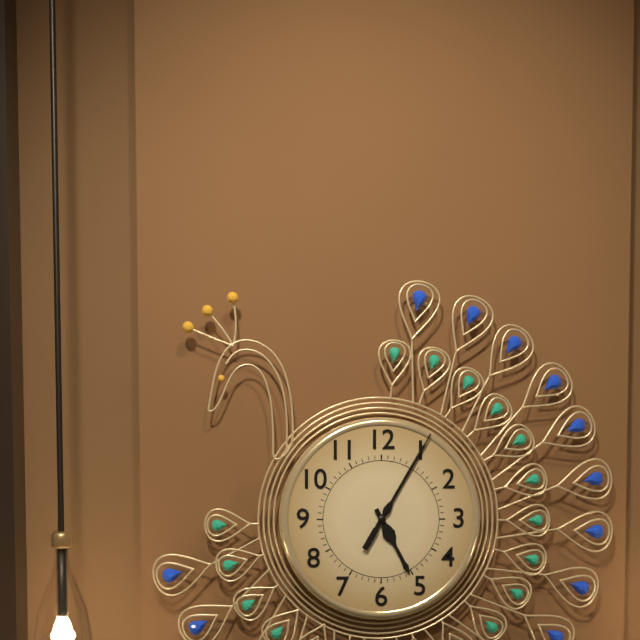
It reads **5:05:05**
